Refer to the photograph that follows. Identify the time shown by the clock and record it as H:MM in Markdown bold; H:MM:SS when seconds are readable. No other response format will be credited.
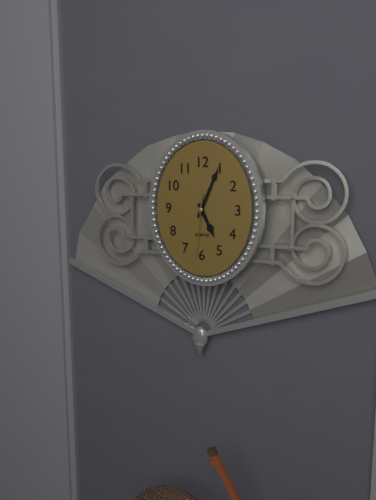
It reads **5:04:31**
